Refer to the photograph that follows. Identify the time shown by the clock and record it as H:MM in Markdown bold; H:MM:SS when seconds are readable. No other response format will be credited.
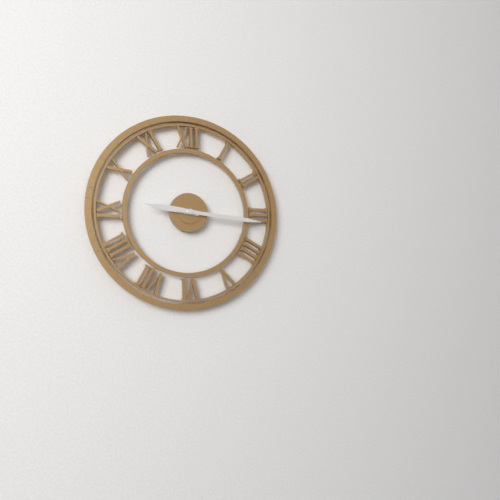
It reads **9:16**
